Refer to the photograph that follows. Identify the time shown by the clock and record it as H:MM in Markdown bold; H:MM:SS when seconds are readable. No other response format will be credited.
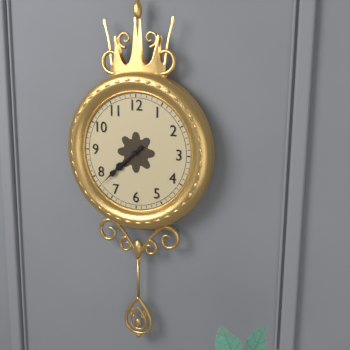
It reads **7:38**
